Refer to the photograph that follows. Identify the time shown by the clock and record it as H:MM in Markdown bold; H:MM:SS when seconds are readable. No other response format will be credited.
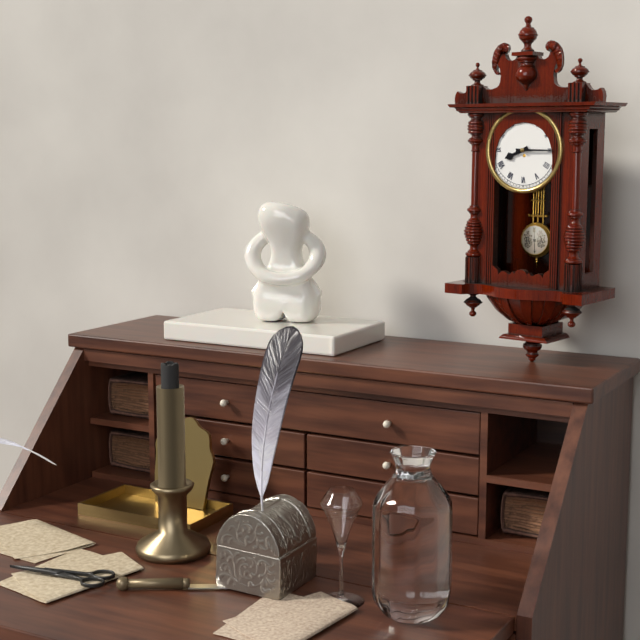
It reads **8:15**
